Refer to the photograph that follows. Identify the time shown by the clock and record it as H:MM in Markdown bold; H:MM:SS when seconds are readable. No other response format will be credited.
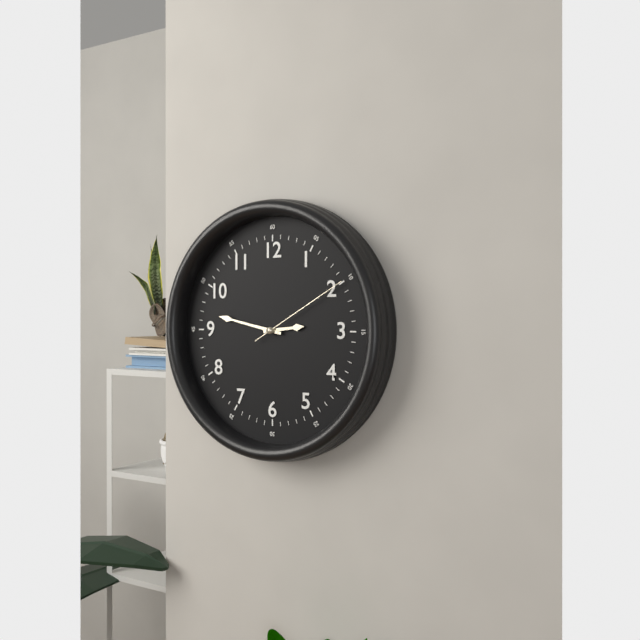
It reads **2:47:10**
